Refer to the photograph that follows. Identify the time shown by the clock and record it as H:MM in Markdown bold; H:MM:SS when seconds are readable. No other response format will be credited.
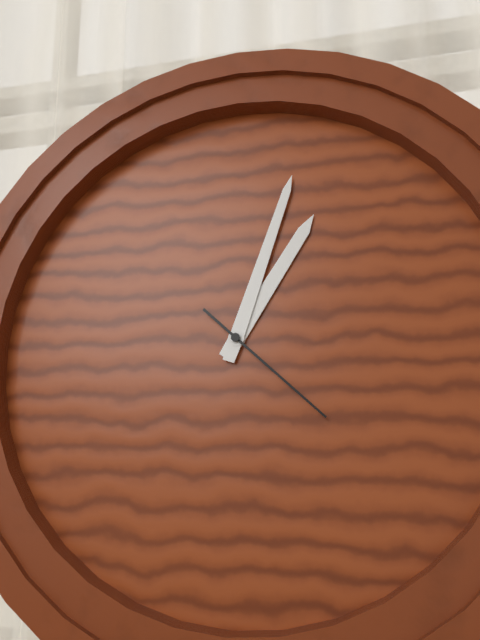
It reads **1:03:22**
